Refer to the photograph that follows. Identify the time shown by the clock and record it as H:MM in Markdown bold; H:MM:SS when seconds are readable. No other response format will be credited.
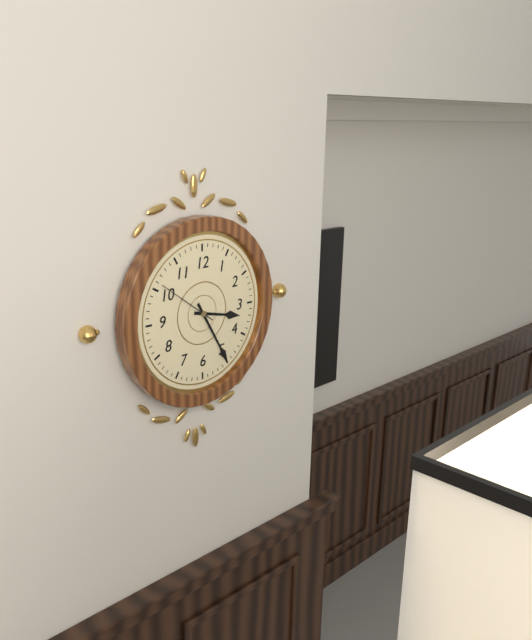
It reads **3:25:51**
